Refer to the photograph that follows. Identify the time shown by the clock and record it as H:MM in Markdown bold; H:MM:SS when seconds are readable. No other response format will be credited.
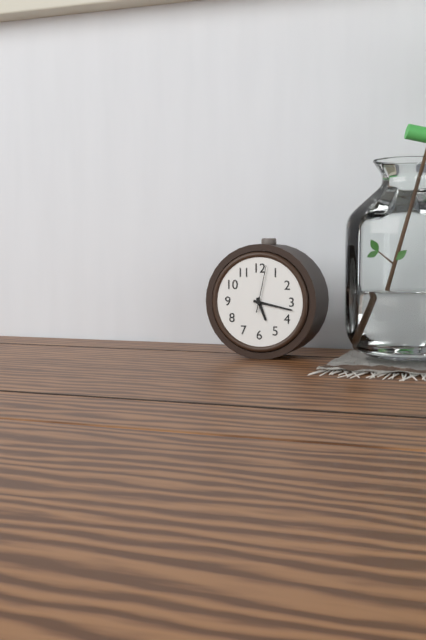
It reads **5:17**
